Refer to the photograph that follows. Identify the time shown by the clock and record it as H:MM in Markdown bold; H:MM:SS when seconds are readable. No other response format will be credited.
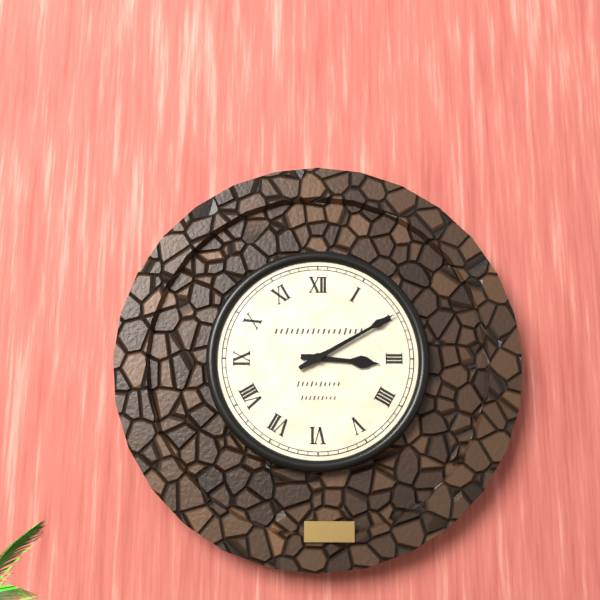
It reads **3:10**
